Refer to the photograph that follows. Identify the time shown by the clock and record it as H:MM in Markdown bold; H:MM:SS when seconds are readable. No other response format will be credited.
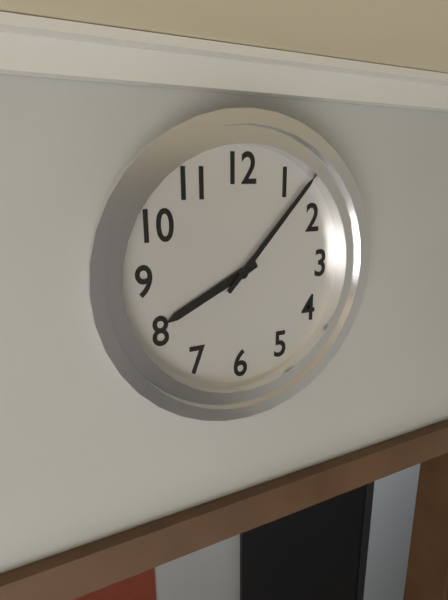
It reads **8:07**
